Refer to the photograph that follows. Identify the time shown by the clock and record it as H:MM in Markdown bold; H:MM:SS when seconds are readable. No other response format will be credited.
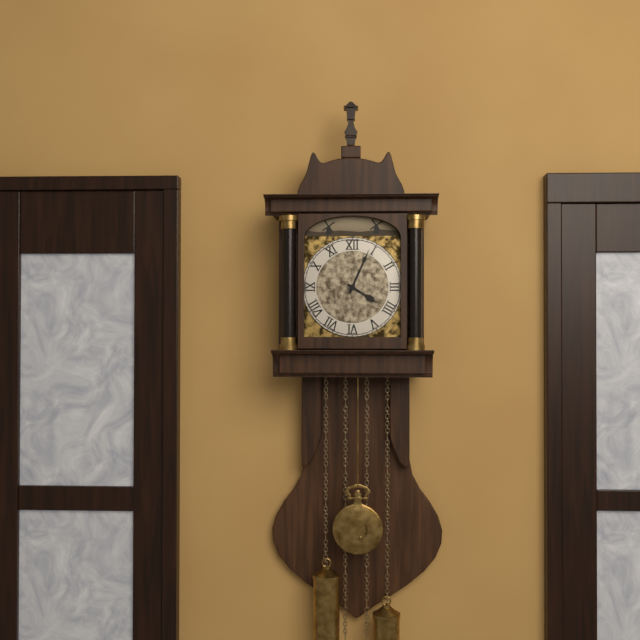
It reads **4:04**
